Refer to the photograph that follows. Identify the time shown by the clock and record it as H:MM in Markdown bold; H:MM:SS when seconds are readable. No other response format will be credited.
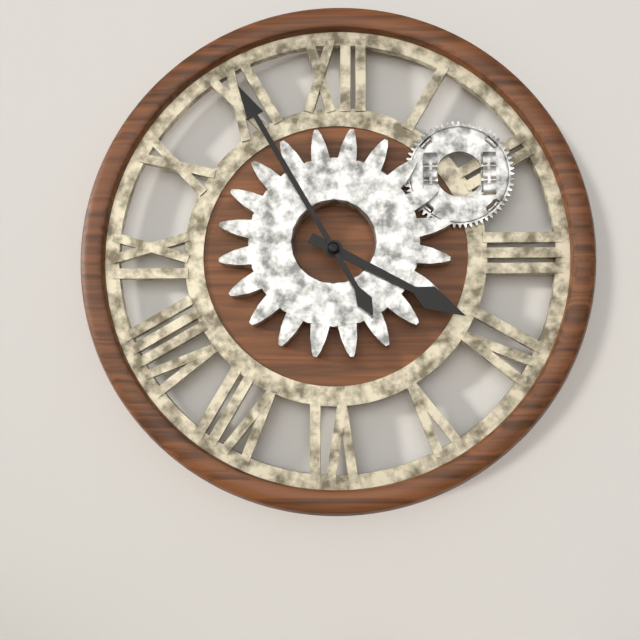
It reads **3:55**
